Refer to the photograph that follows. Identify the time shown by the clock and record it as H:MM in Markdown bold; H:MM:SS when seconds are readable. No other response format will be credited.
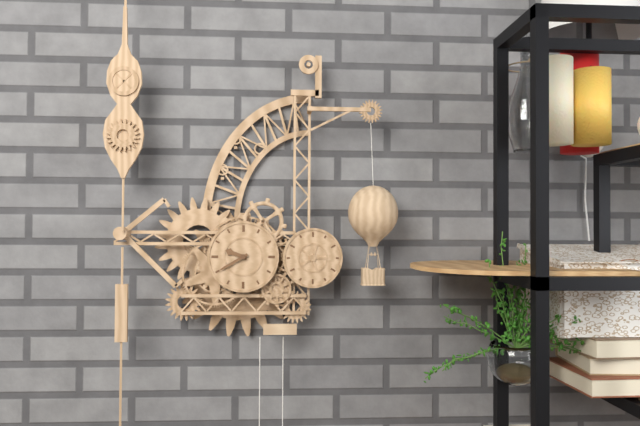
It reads **9:40**
